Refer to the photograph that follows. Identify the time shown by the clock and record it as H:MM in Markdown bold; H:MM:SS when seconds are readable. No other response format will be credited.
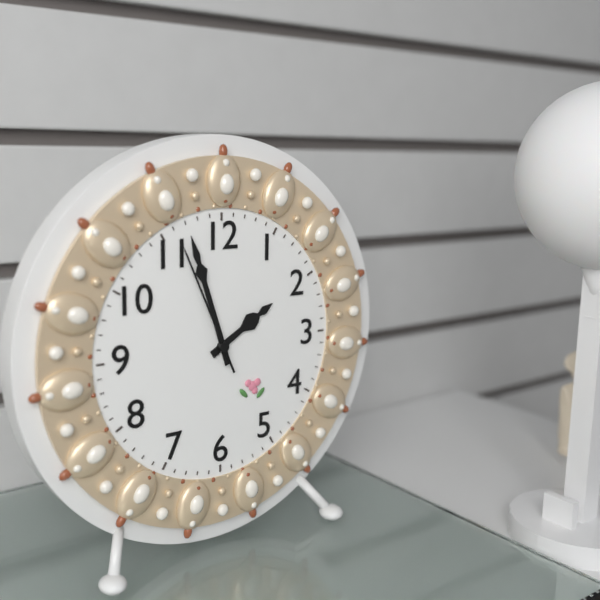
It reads **1:57:56**
